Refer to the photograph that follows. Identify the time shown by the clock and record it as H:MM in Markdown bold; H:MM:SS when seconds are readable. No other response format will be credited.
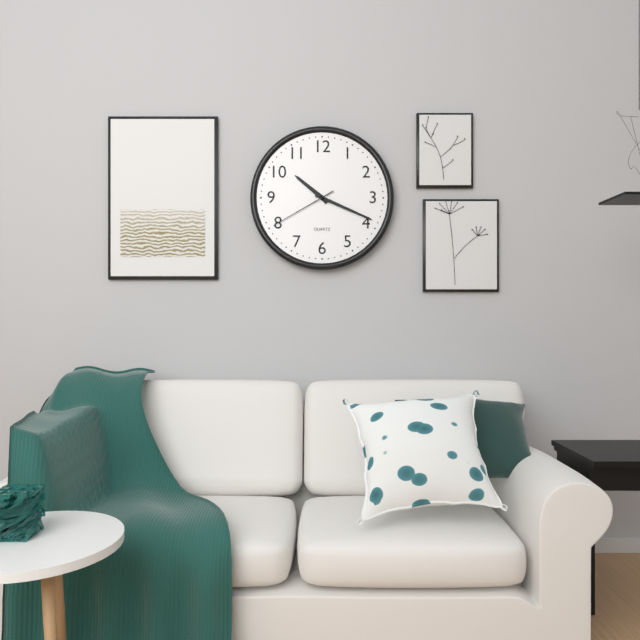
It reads **10:19:40**
